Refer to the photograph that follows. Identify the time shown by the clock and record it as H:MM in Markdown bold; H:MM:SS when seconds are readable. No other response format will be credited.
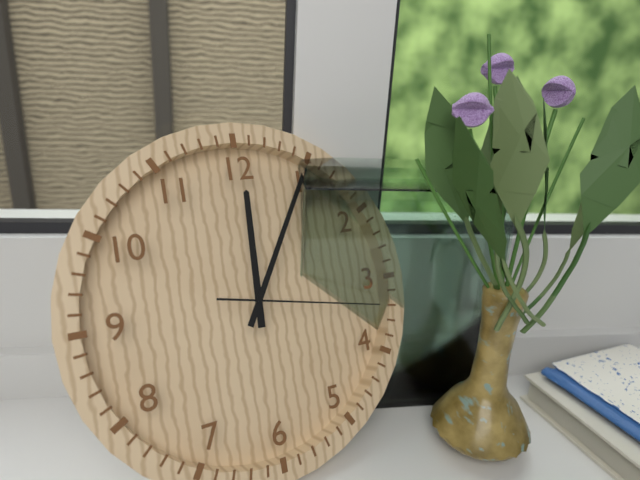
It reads **12:05:17**
